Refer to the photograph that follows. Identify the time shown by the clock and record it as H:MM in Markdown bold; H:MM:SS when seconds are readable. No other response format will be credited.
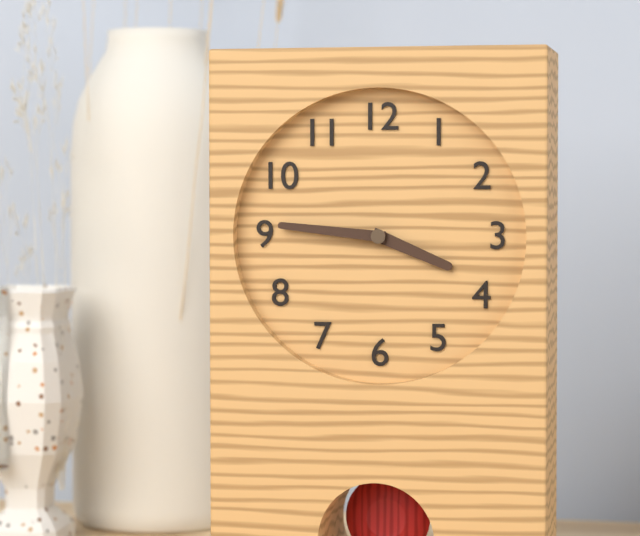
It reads **3:46**
